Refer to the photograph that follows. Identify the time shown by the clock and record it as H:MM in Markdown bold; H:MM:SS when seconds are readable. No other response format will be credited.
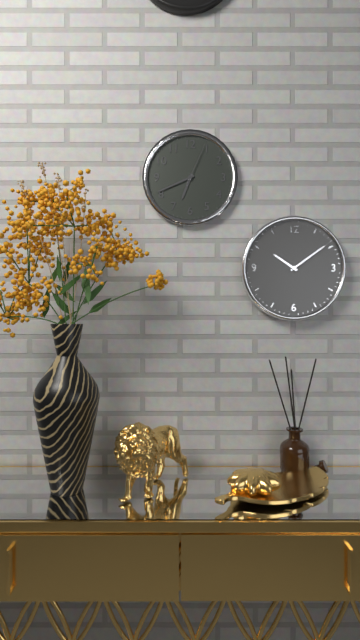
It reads **6:41**
